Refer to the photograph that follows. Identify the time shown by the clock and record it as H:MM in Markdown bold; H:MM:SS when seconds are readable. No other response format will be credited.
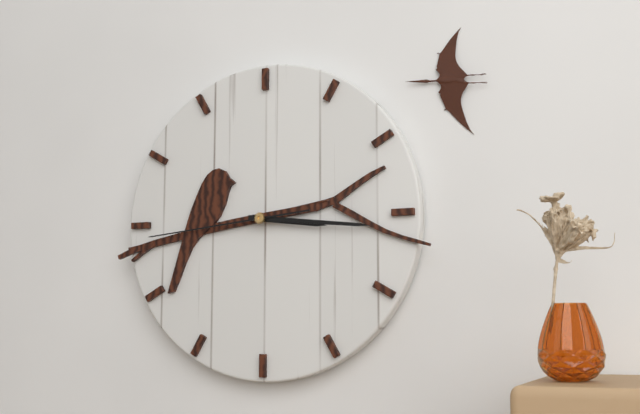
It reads **3:16:44**
